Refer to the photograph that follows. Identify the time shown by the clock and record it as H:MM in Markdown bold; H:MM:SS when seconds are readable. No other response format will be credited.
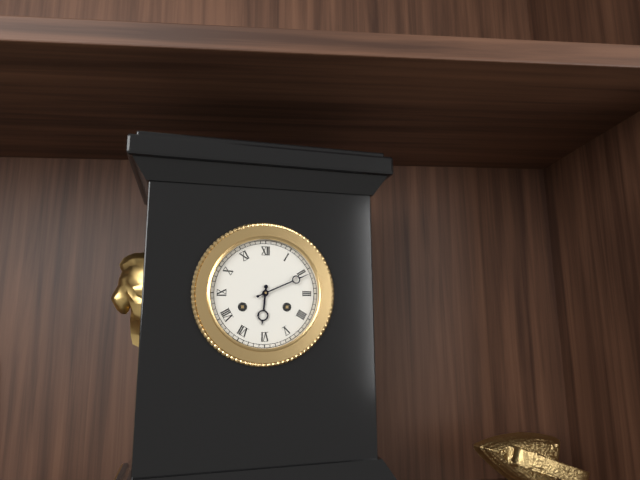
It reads **6:11**
